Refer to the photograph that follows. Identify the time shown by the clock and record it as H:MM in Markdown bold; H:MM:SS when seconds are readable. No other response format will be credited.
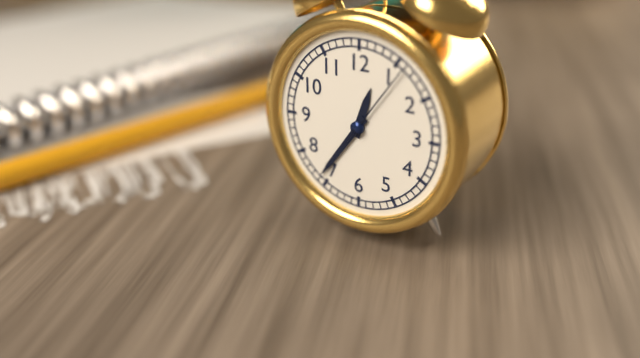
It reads **12:36:06**
